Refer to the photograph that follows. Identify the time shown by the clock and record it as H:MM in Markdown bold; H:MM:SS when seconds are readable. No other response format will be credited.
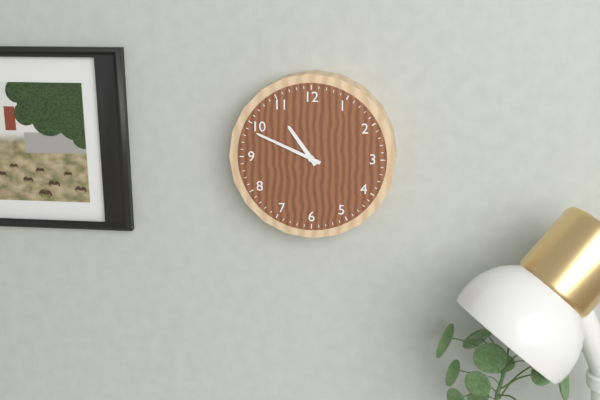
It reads **10:49**
